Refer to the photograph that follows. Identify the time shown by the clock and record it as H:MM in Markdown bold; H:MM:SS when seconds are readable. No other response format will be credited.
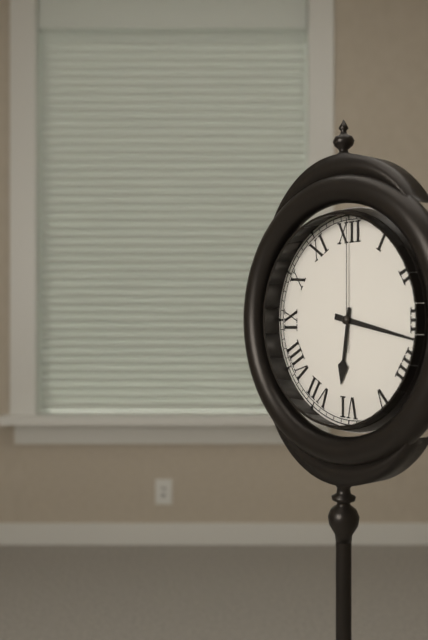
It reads **6:17:00**
